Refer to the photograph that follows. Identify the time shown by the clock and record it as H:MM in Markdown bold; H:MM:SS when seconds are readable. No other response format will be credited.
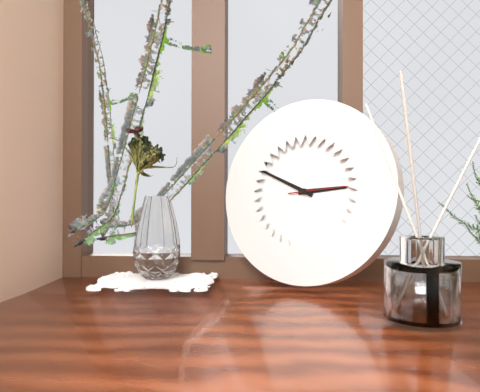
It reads **2:49**
